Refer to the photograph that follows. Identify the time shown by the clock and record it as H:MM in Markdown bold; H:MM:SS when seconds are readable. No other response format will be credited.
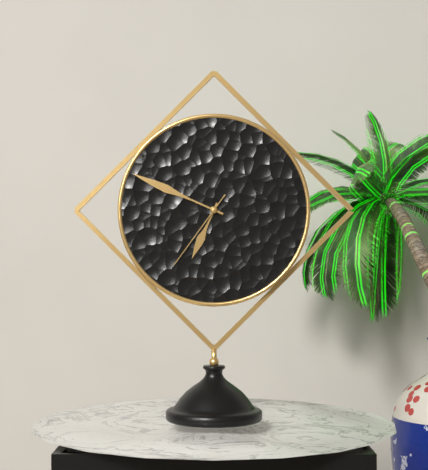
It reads **6:49:36**
